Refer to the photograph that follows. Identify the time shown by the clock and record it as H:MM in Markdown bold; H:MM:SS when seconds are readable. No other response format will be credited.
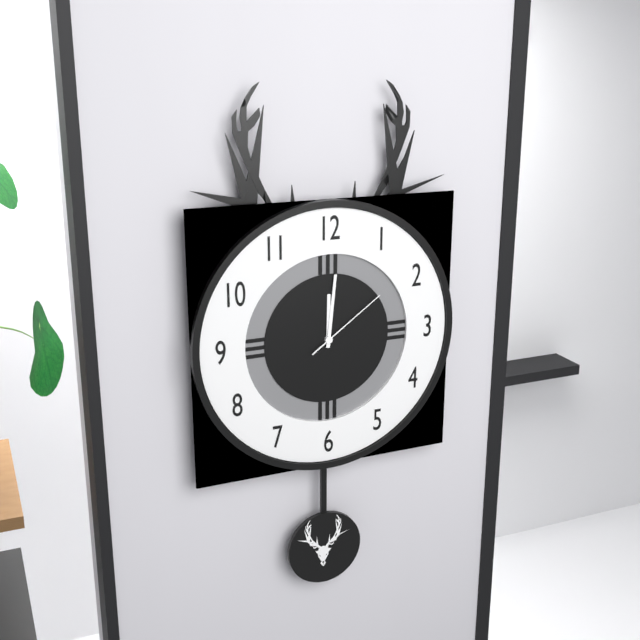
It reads **12:01:09**
